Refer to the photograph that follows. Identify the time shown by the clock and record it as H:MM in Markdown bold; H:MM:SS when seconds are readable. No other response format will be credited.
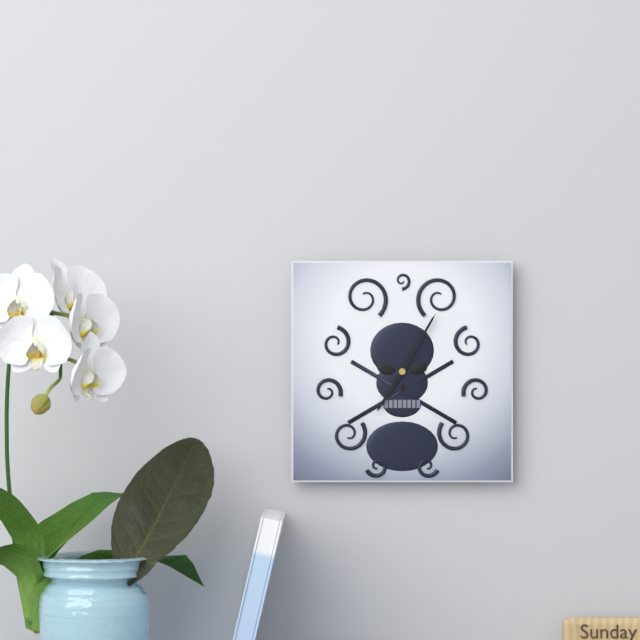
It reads **7:05**
